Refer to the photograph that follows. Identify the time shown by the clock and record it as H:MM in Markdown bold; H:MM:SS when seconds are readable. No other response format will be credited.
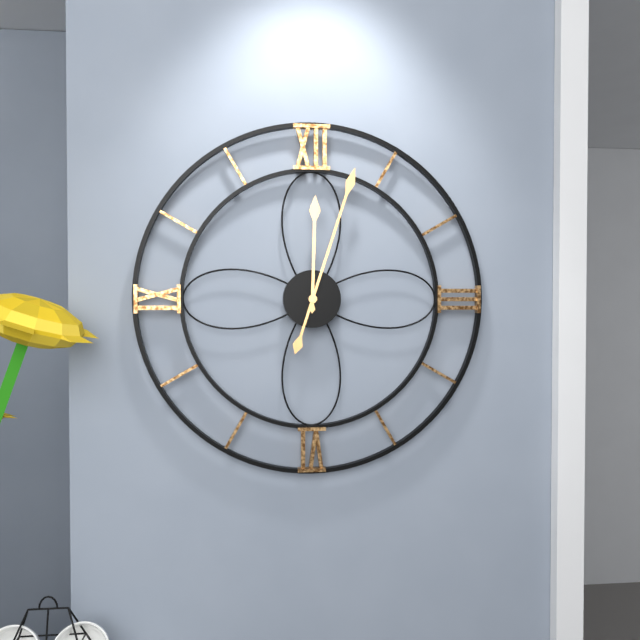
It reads **12:03**
